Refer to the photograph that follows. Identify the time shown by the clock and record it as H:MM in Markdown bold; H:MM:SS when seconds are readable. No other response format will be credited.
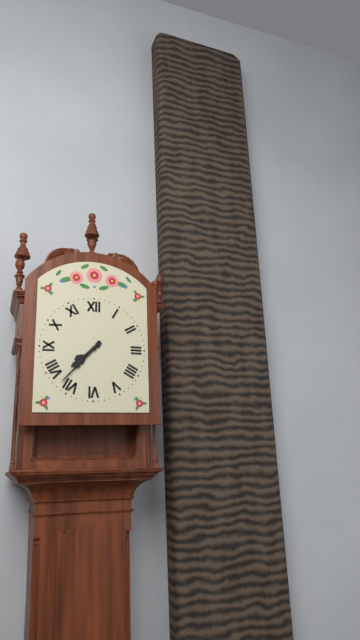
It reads **7:37**
